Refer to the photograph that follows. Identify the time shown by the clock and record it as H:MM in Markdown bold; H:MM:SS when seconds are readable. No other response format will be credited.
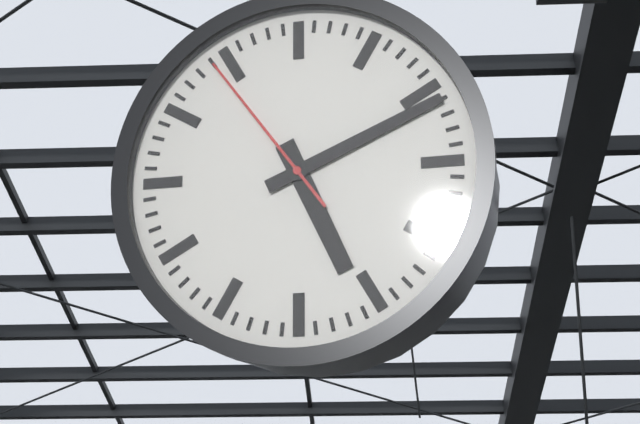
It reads **5:11:54**
